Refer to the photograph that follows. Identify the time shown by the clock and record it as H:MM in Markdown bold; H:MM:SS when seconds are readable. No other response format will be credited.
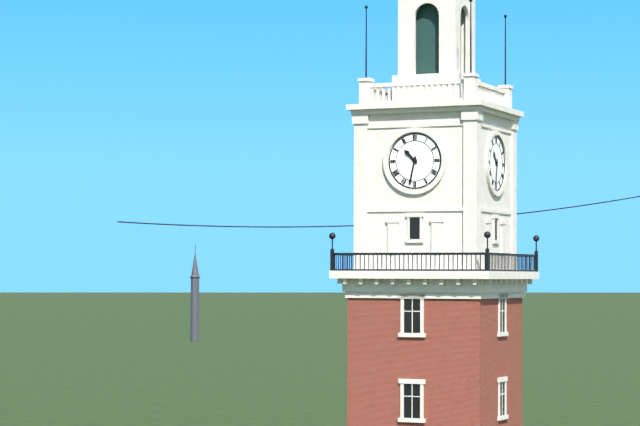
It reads **10:32**
